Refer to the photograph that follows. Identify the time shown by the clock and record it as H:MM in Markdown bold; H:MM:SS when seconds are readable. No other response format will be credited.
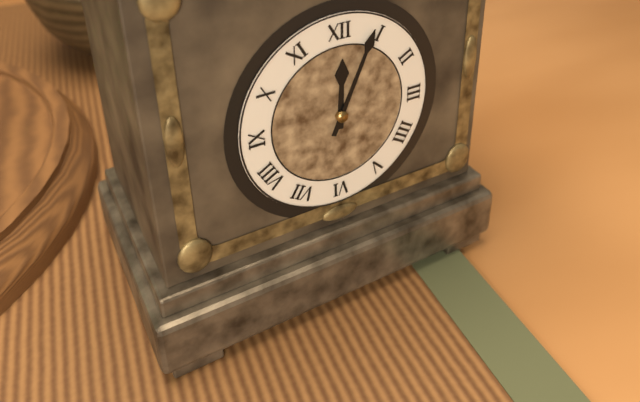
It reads **12:04**
